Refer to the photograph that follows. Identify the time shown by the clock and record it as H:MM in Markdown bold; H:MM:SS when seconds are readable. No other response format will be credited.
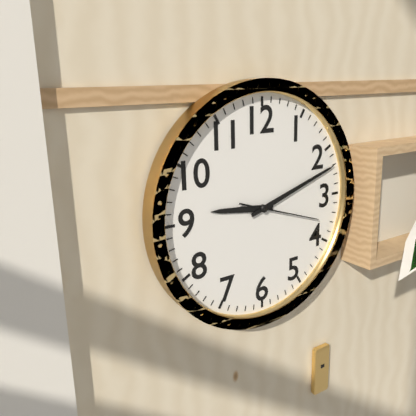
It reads **9:12:18**
